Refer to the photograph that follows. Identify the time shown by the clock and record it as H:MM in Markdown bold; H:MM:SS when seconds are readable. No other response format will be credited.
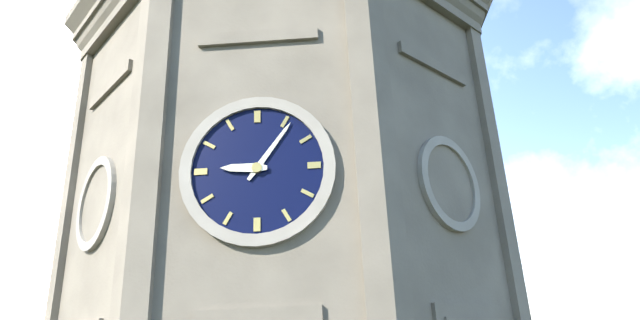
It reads **9:06**
